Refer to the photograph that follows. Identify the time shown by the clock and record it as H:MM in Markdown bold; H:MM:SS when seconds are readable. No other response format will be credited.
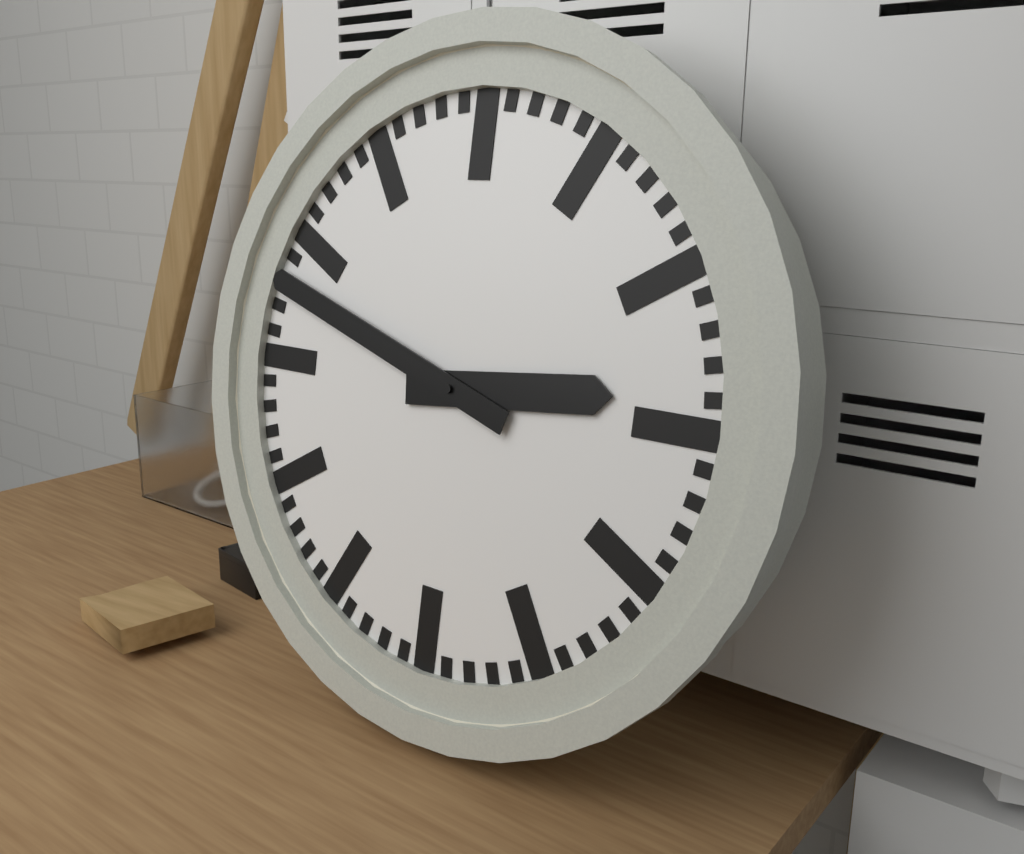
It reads **2:48**
